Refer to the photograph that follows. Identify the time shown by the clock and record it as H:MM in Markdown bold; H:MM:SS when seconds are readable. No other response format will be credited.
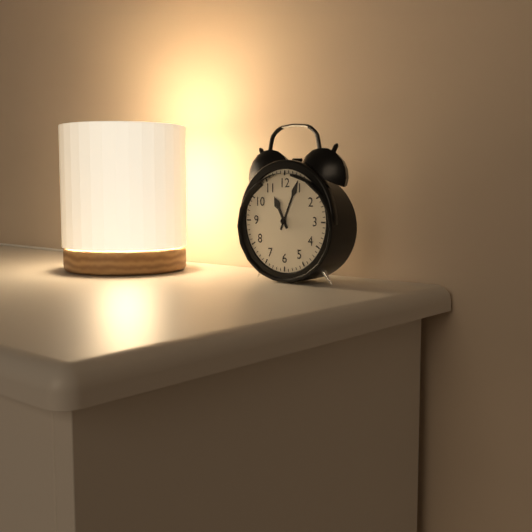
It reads **11:04**
